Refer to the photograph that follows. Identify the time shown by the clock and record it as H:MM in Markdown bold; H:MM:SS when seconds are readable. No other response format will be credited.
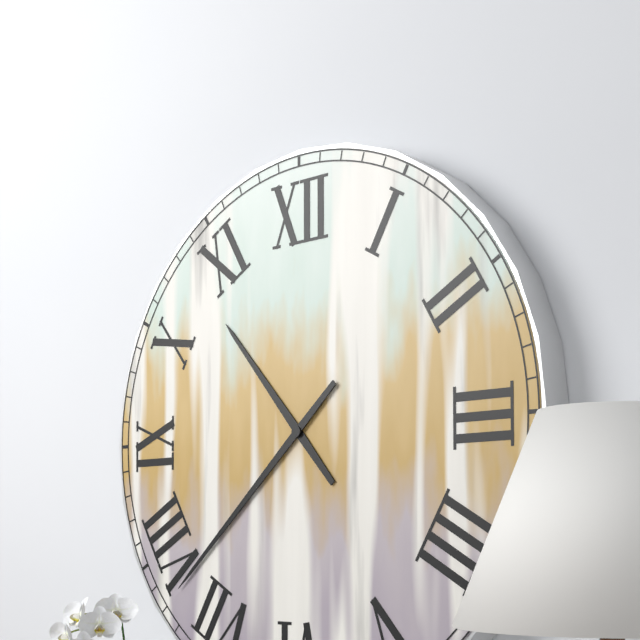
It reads **10:38**
